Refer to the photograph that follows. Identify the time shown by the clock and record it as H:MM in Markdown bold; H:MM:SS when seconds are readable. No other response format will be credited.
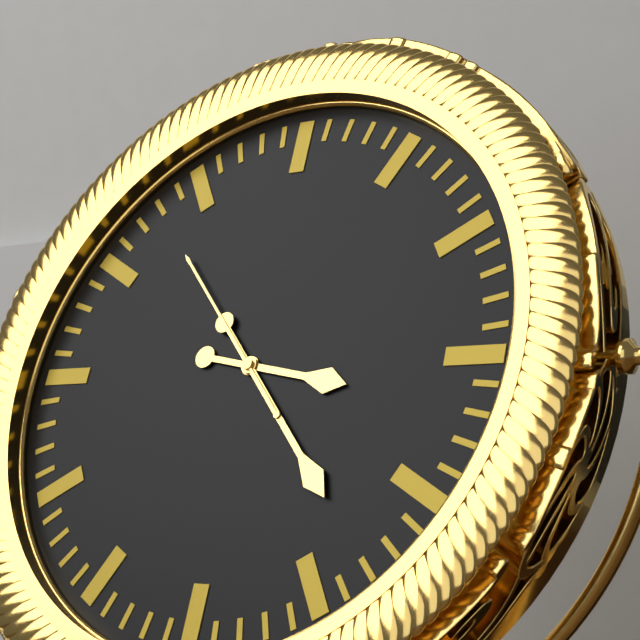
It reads **3:23:53**
